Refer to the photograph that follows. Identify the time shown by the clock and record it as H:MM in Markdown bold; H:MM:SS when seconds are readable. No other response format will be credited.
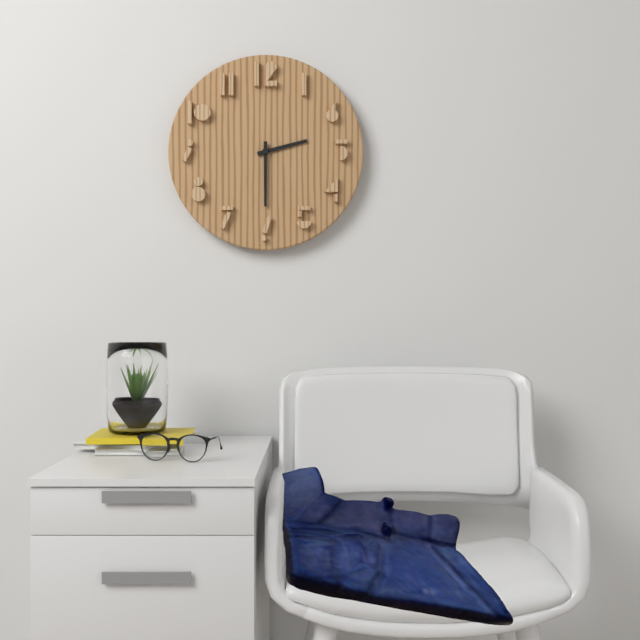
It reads **2:30**
